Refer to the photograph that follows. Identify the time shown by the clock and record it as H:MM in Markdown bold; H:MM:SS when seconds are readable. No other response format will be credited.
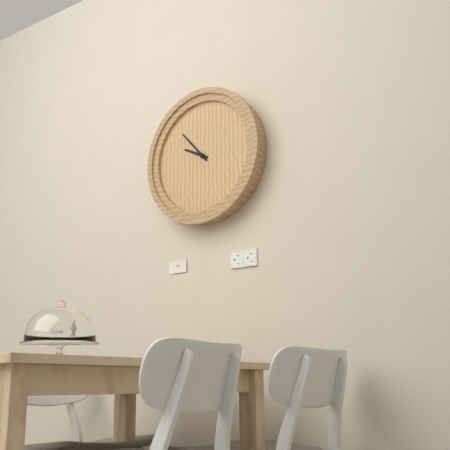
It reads **9:53**
